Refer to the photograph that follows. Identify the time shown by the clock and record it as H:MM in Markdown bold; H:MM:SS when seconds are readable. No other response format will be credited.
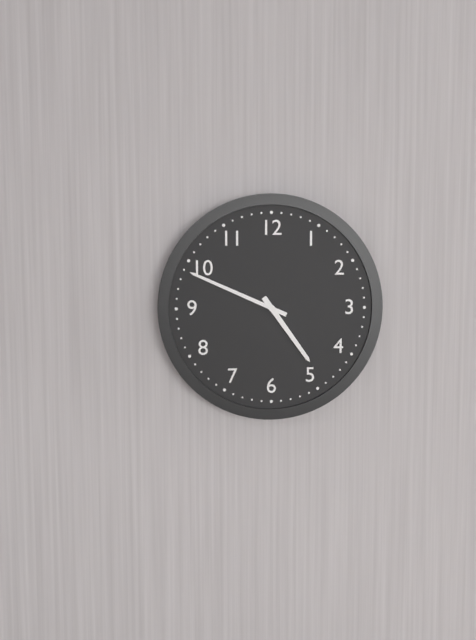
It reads **4:49**
